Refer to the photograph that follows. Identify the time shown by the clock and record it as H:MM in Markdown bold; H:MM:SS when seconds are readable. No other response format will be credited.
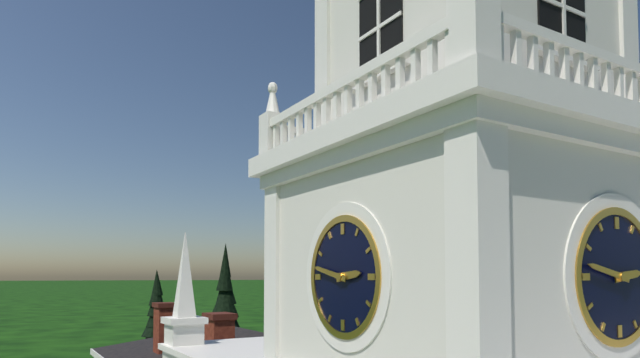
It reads **2:47**
